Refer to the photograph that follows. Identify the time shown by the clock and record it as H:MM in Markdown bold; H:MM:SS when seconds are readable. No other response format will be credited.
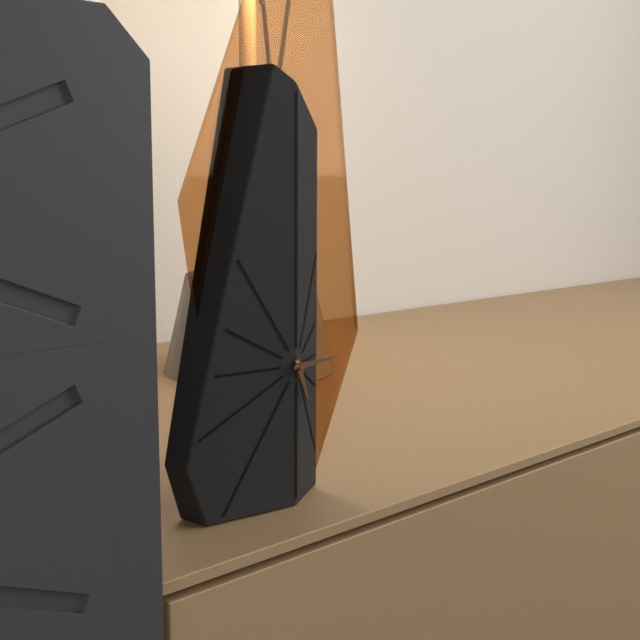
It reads **5:15**
